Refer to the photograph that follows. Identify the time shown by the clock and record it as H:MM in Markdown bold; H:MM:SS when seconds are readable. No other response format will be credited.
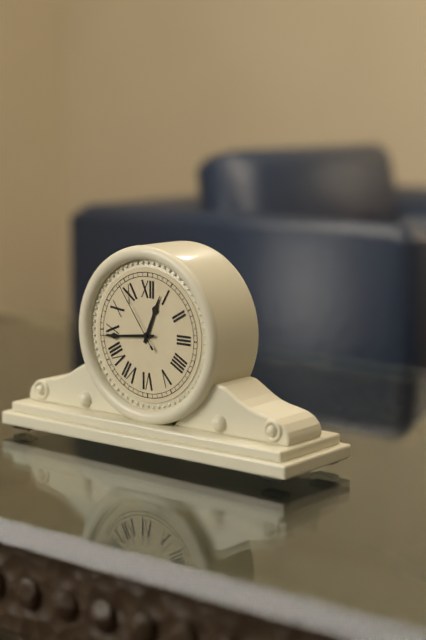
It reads **12:44:54**
